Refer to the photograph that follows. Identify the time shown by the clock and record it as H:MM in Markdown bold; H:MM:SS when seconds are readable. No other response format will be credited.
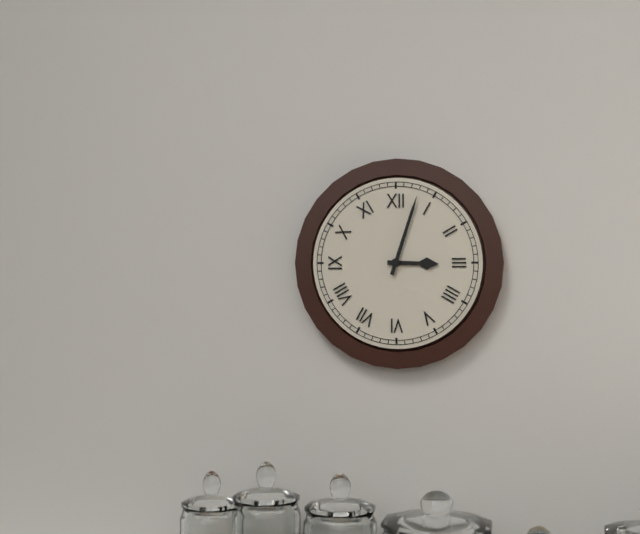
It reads **3:03**
